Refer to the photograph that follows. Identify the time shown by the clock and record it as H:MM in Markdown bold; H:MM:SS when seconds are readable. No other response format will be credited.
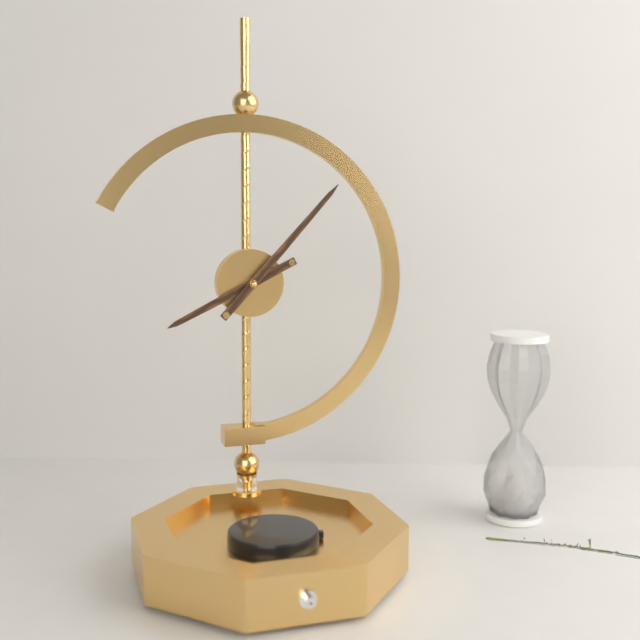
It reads **8:07**
